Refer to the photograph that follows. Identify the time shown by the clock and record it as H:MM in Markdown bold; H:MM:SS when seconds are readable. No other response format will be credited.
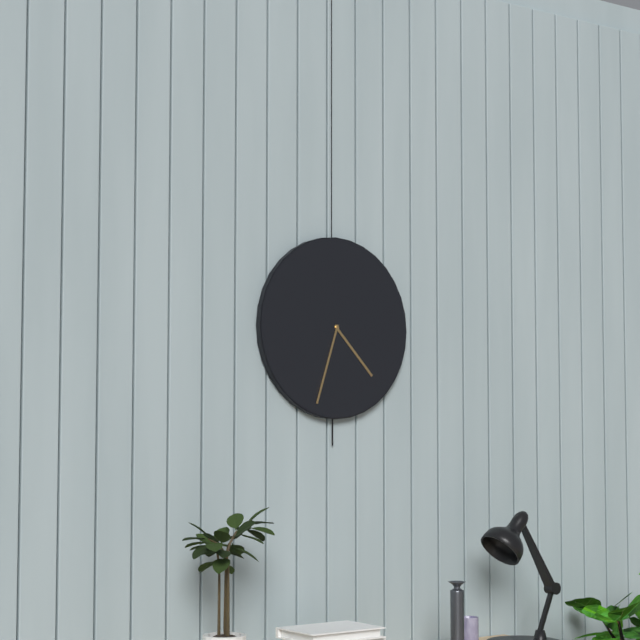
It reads **4:33**
